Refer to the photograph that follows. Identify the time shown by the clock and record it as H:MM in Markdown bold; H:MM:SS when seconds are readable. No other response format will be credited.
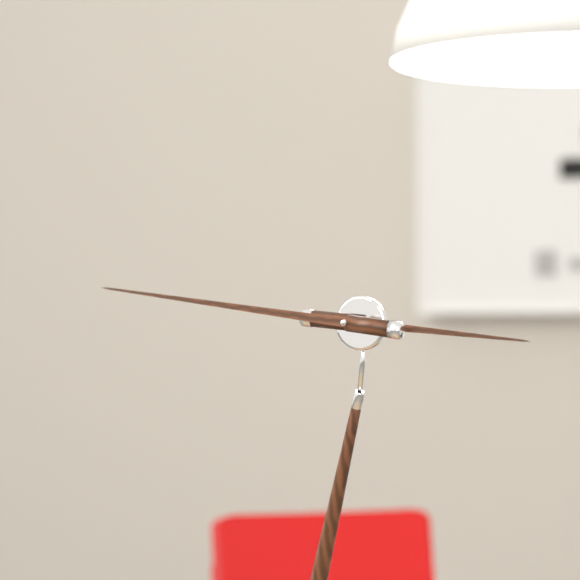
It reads **2:44**
